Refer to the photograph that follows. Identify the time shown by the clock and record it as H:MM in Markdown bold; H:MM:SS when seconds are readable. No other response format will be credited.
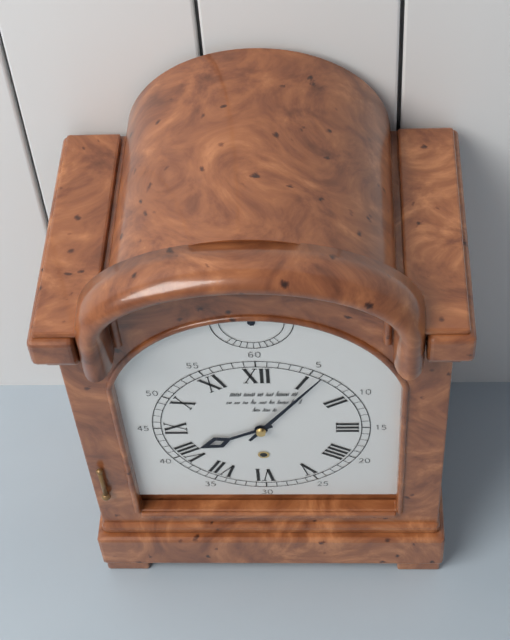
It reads **8:06**
